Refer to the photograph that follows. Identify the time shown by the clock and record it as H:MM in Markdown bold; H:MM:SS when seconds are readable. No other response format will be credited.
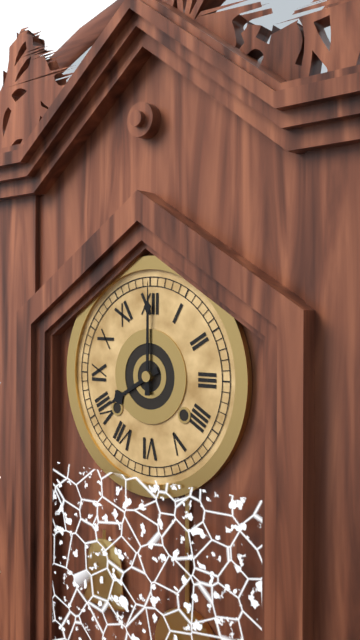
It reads **8:00**
